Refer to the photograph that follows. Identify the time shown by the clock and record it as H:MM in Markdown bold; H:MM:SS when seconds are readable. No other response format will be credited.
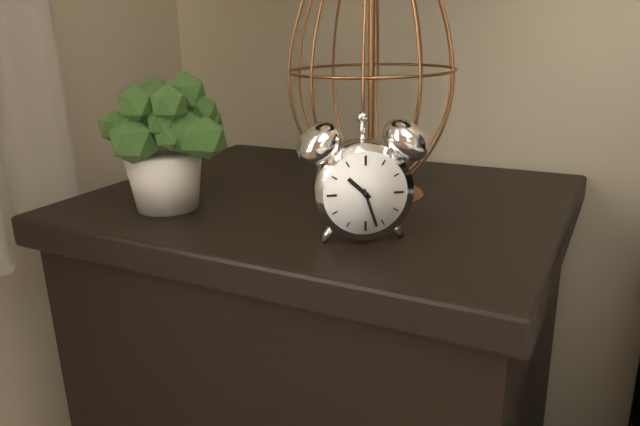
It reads **10:27**
